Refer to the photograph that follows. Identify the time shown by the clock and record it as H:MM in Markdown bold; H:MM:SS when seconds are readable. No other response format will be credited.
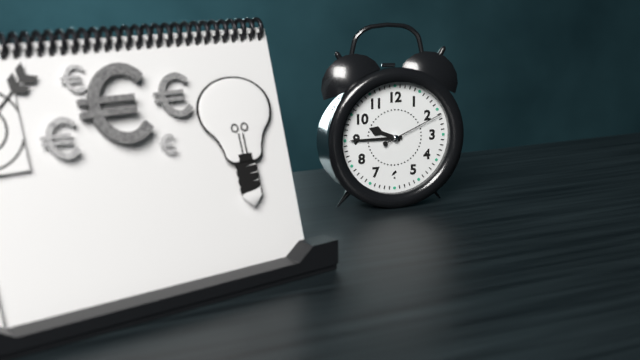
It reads **9:45:11**
